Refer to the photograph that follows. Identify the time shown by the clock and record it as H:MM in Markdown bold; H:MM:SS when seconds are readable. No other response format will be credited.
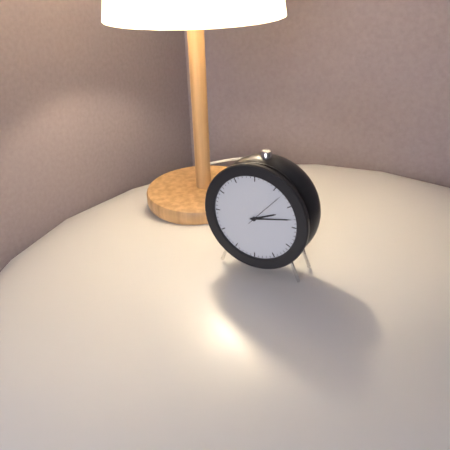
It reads **2:13**
